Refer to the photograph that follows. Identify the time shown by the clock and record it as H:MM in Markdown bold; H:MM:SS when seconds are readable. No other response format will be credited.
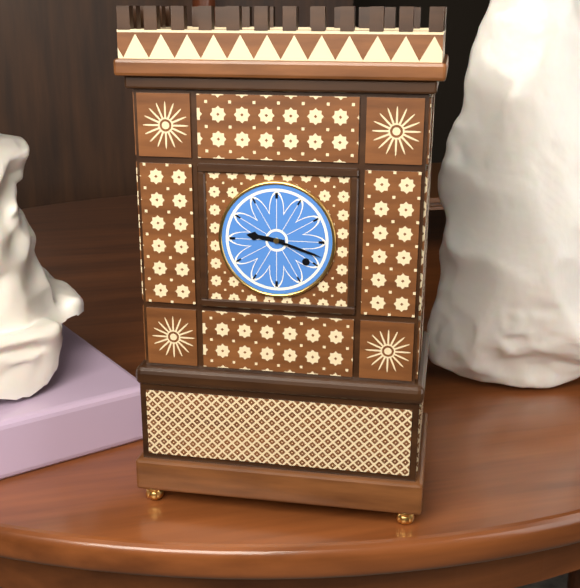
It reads **9:18**
